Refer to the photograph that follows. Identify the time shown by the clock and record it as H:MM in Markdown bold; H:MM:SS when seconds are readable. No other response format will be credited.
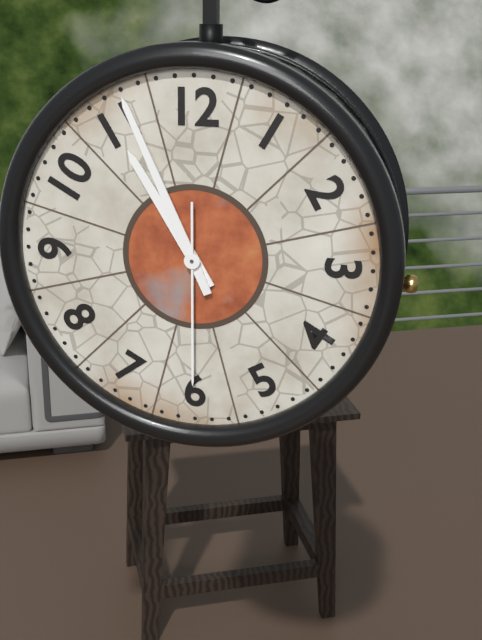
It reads **10:56:30**
